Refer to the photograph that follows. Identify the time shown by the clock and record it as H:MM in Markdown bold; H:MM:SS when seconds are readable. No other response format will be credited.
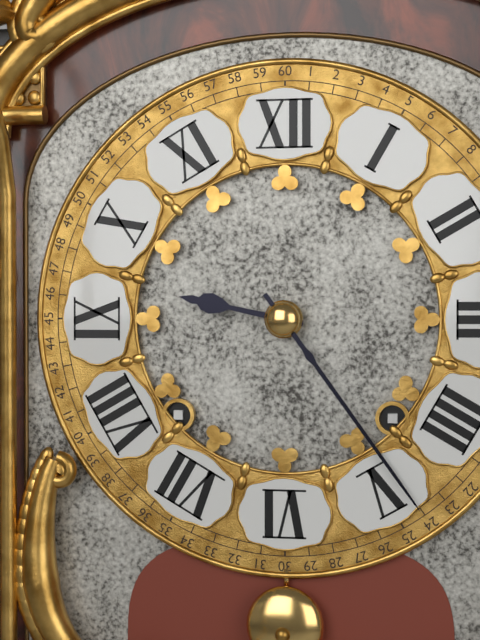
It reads **9:24**
